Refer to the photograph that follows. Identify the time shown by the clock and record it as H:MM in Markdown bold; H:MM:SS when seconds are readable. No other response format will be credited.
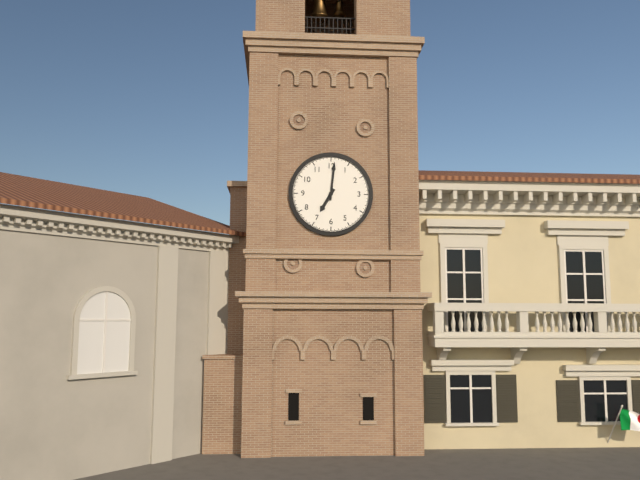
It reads **7:01**
